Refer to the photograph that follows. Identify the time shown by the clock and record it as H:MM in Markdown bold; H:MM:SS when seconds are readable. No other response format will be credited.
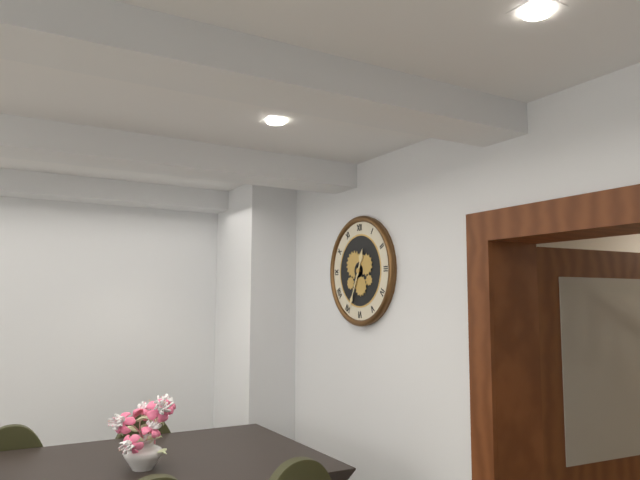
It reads **12:34**
